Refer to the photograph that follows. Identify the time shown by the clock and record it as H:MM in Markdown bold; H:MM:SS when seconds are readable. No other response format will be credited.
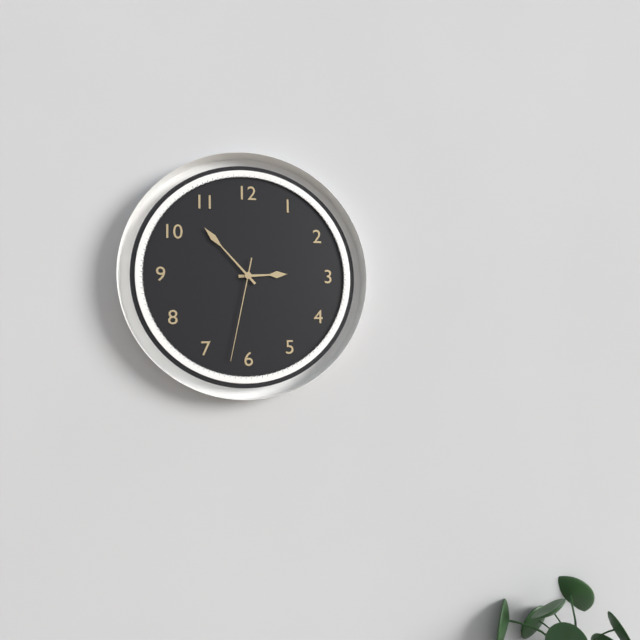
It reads **2:53:32**
